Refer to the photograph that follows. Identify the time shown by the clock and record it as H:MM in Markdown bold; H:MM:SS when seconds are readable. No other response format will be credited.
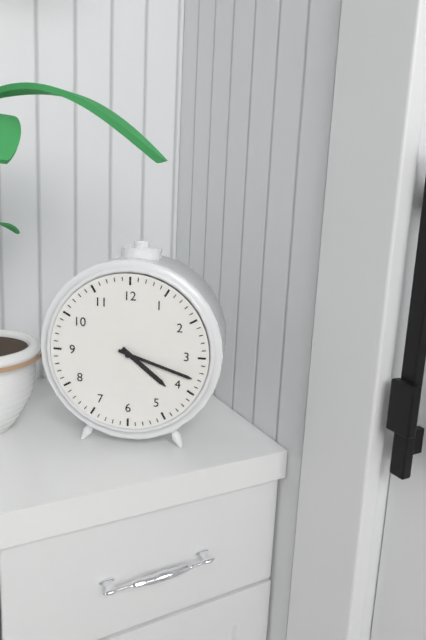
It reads **4:18**
